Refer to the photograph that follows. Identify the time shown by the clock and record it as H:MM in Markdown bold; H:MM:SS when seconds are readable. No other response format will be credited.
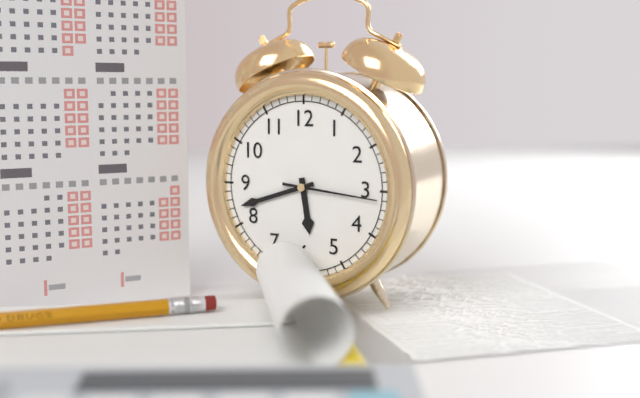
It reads **5:42:16**
